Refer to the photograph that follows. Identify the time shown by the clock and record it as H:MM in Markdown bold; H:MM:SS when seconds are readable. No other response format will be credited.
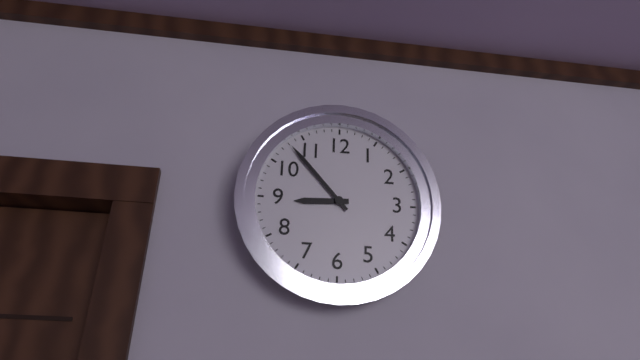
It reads **8:53**
